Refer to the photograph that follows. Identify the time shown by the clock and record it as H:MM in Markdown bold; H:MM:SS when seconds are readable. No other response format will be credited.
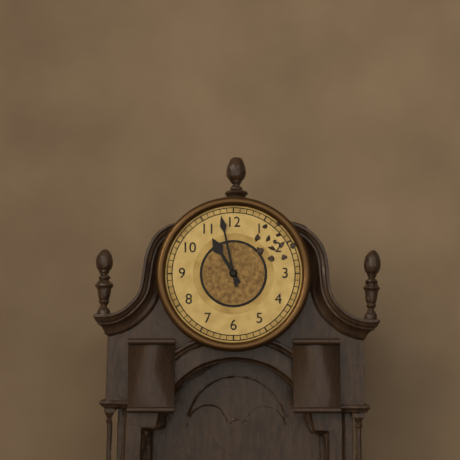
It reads **10:58**
